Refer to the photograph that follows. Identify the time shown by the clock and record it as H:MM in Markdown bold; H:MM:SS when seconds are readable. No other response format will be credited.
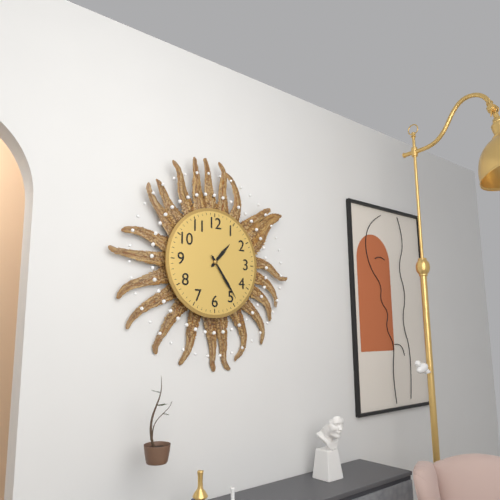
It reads **1:24**
